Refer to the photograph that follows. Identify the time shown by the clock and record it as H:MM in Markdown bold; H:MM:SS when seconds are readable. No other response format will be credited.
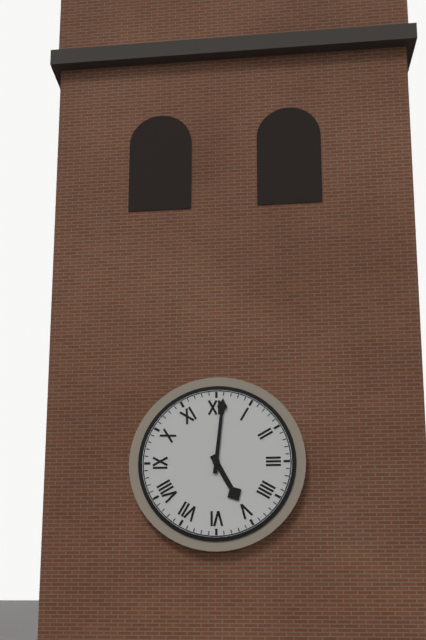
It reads **5:01**
